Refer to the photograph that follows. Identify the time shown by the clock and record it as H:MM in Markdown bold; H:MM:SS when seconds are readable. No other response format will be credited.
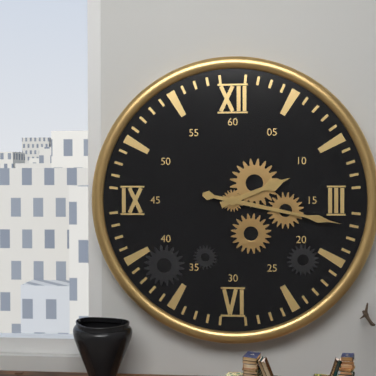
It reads **2:17**
